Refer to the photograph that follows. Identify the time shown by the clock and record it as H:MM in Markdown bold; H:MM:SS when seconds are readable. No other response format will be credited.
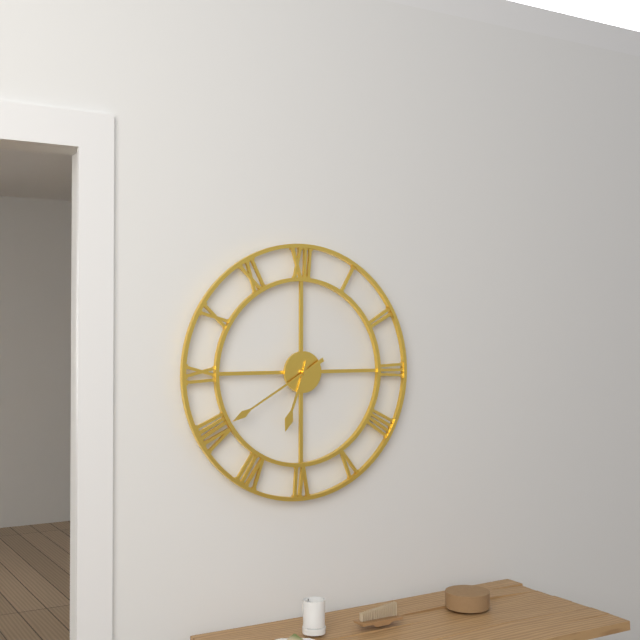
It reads **6:40**
